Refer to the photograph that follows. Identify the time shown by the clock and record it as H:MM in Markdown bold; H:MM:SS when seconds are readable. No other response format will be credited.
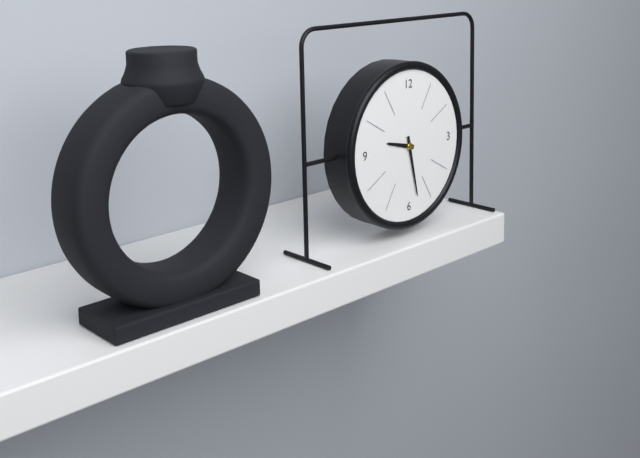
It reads **9:28**
